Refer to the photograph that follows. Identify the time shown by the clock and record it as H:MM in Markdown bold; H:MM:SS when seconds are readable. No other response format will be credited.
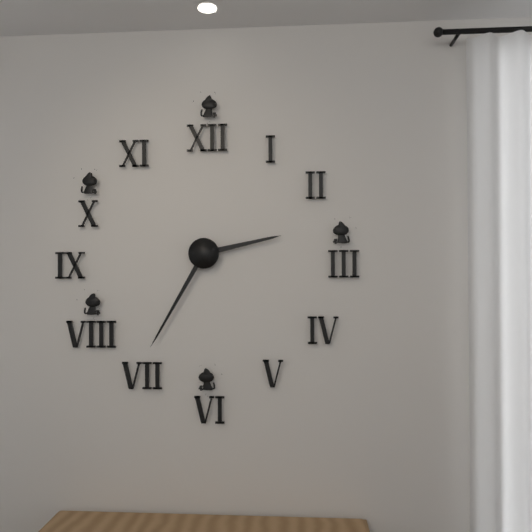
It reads **2:35**
